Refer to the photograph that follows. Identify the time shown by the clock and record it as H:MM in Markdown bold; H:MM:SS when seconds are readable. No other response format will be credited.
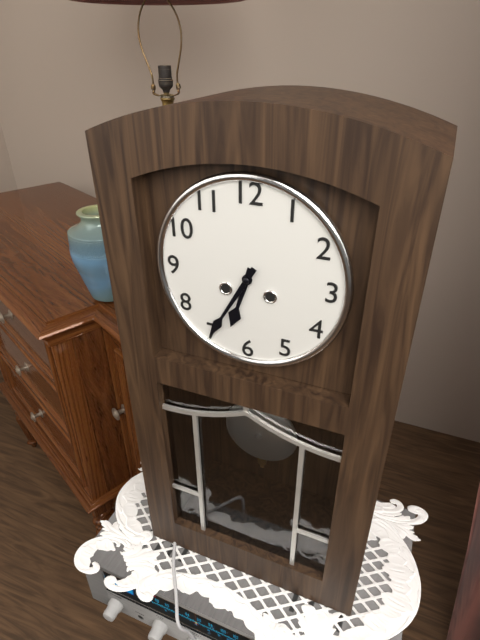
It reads **6:35**
